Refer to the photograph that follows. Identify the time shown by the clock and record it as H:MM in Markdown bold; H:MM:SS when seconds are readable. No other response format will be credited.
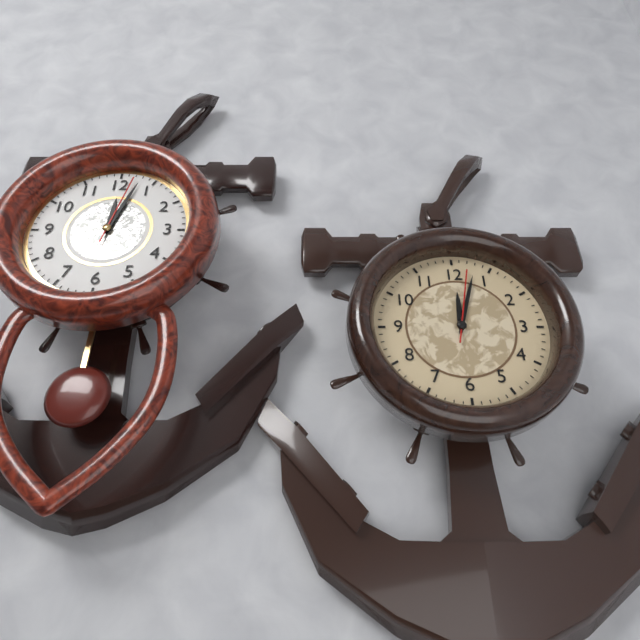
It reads **12:03:02**
